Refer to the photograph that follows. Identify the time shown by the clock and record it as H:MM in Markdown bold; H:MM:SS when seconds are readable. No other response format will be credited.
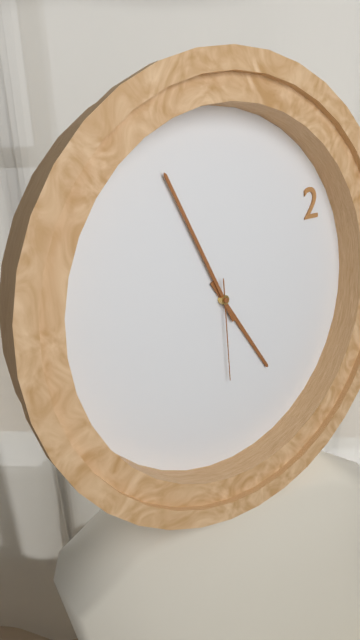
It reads **4:56:30**
